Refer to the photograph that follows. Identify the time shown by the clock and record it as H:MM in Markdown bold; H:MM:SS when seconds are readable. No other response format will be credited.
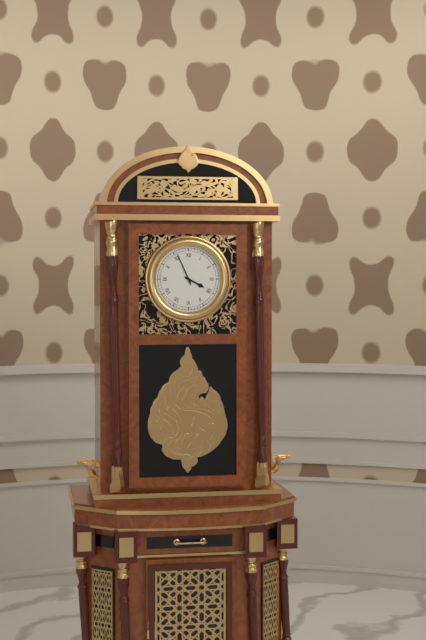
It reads **3:56**
